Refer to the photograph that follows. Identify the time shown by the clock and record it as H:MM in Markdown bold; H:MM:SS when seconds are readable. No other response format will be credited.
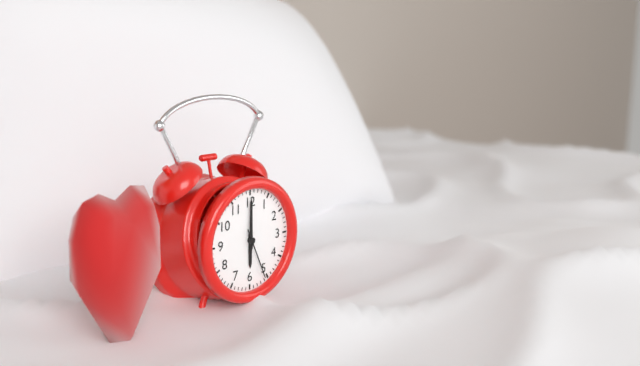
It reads **6:00:26**
